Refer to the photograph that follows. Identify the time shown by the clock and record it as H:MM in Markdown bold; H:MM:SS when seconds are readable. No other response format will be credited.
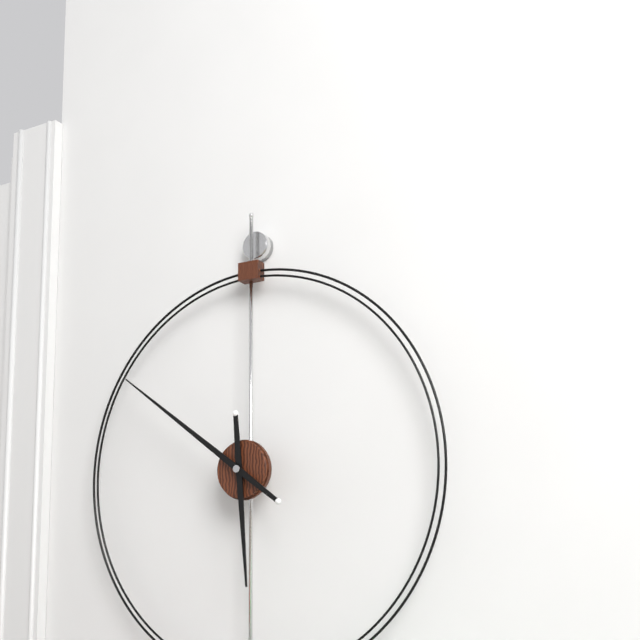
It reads **5:51**
